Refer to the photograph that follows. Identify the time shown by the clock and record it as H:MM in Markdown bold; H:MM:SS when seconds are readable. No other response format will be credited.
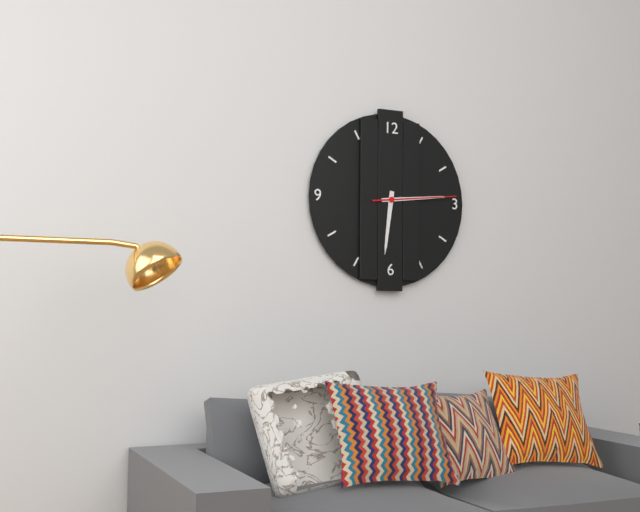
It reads **6:14:14**
